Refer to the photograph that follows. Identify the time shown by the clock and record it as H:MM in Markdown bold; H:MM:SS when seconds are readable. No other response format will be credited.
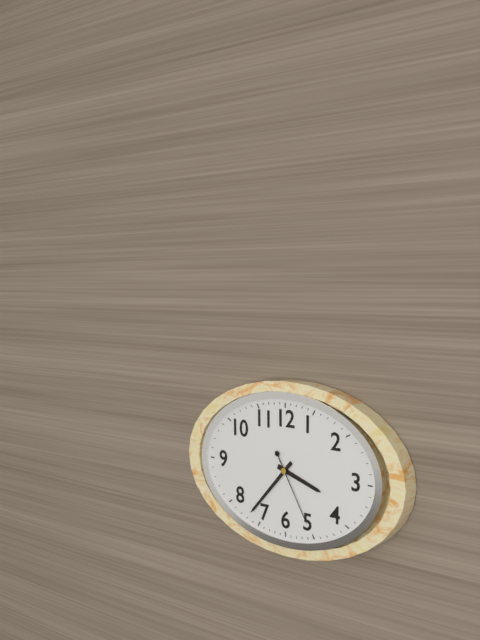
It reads **3:37:25**
